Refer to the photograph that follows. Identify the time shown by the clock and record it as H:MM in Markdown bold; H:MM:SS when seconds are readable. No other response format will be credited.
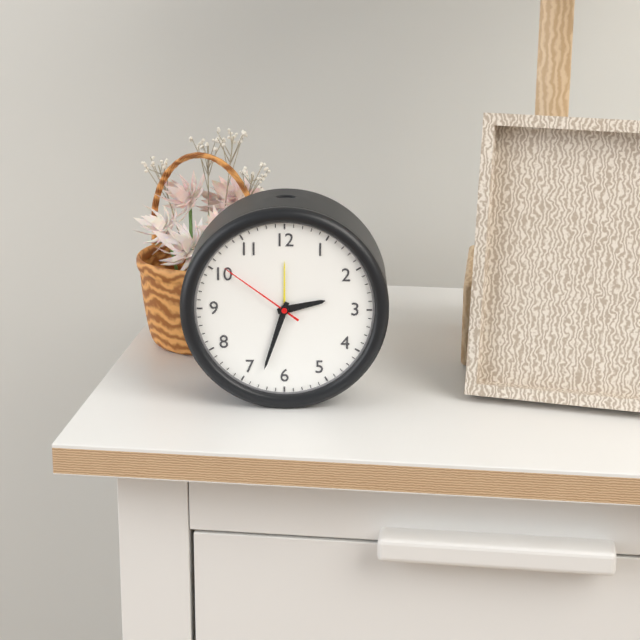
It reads **2:33:51**
